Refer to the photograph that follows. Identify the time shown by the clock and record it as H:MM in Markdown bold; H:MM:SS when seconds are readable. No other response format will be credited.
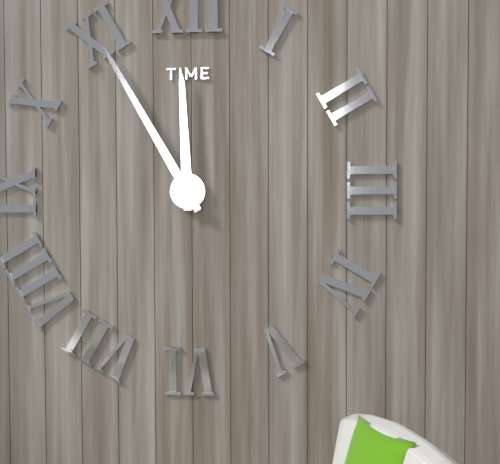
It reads **11:55**
